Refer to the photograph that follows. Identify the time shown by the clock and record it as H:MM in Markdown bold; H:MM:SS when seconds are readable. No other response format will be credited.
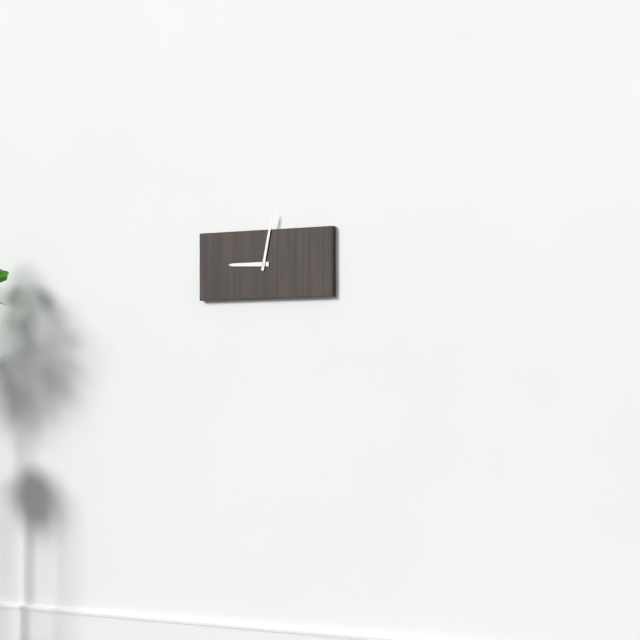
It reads **9:02**
